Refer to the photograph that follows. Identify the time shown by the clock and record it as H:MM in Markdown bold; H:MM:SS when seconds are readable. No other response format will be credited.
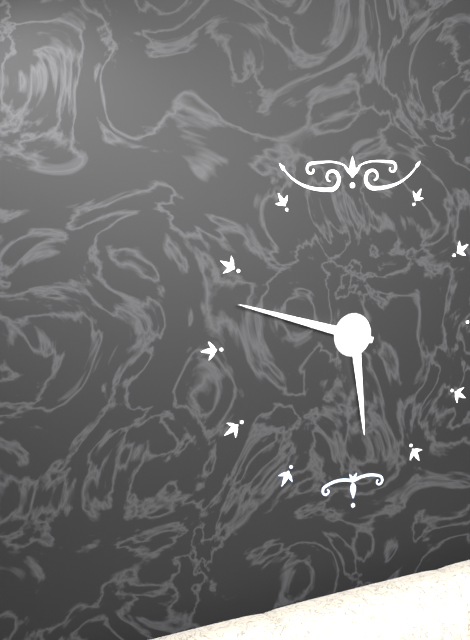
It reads **5:48**
